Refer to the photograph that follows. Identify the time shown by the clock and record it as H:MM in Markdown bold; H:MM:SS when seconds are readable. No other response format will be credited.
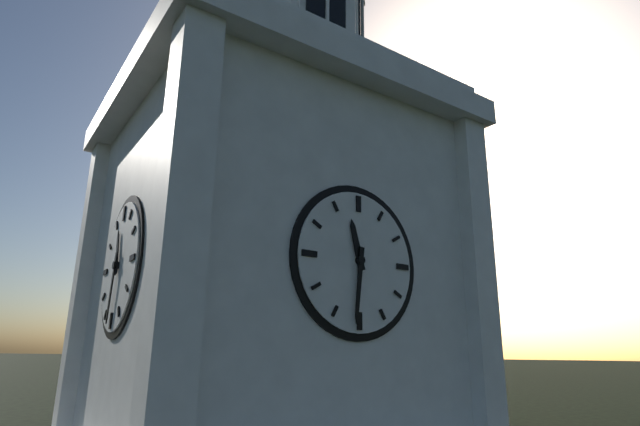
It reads **11:31**
